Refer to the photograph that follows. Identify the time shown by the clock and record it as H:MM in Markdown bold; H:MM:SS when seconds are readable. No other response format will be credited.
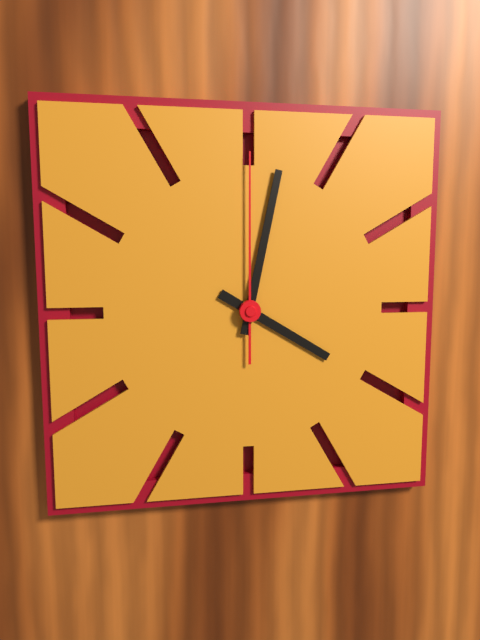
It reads **4:02:00**
